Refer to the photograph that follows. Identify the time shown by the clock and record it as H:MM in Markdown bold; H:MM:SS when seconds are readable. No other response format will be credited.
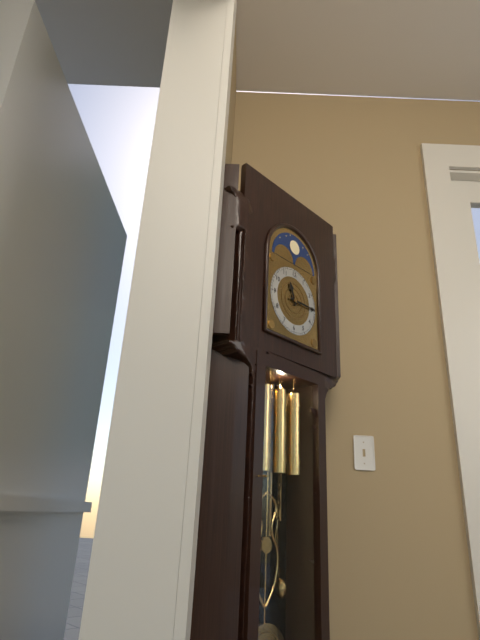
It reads **11:15**
